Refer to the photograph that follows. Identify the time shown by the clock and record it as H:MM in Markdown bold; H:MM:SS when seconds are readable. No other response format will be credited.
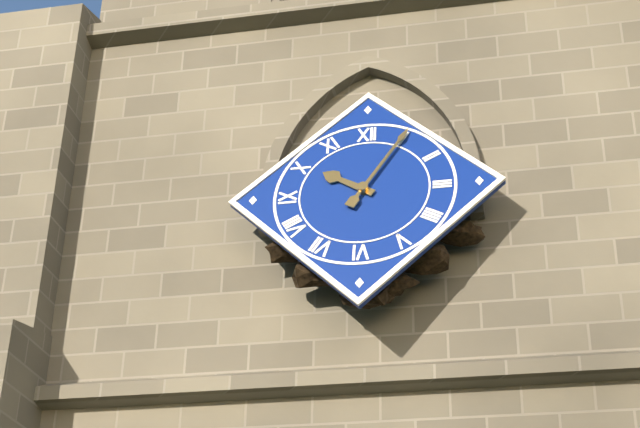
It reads **10:05**
